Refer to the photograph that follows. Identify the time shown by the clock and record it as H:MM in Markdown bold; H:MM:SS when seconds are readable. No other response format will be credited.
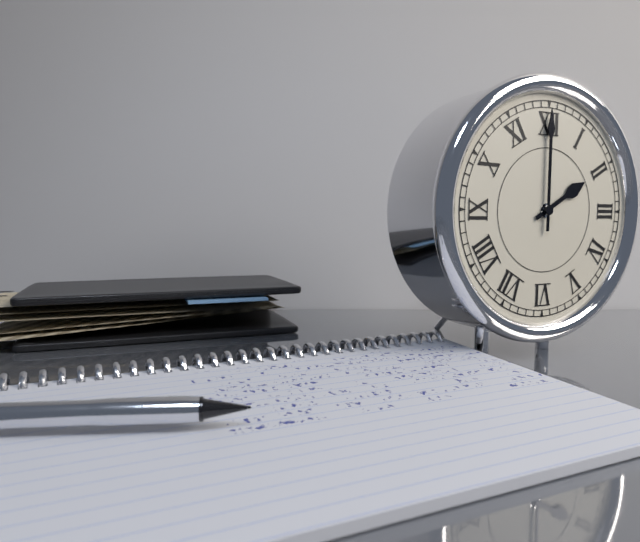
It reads **2:00**
